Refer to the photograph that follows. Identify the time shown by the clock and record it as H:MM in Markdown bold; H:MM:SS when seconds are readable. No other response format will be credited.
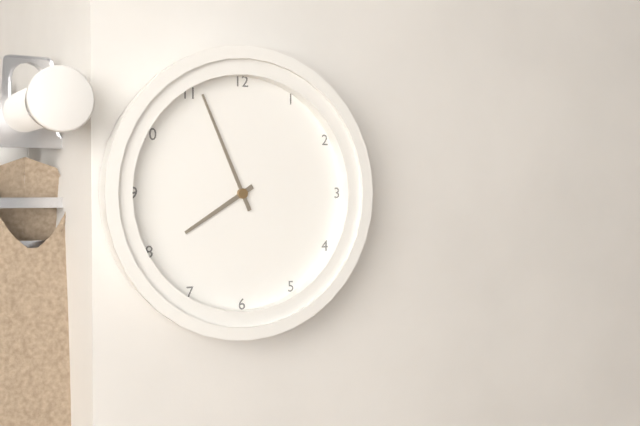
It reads **7:56**
